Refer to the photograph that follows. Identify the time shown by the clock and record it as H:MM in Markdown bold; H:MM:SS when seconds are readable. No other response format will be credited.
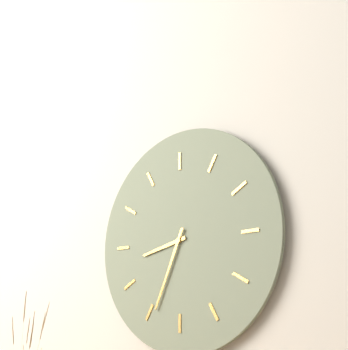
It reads **8:34**
